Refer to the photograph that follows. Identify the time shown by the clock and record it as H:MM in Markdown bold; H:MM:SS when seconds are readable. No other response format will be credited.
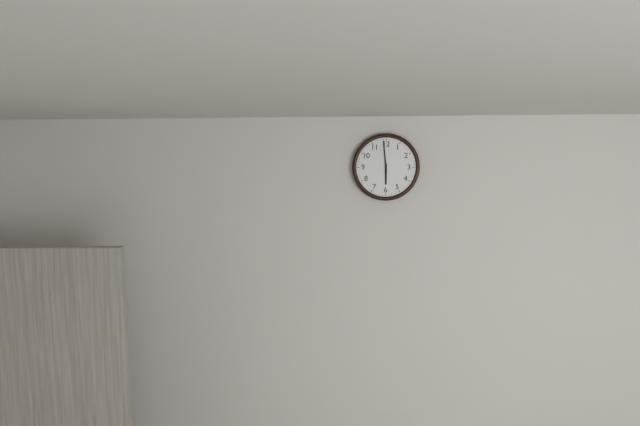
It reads **5:59**
